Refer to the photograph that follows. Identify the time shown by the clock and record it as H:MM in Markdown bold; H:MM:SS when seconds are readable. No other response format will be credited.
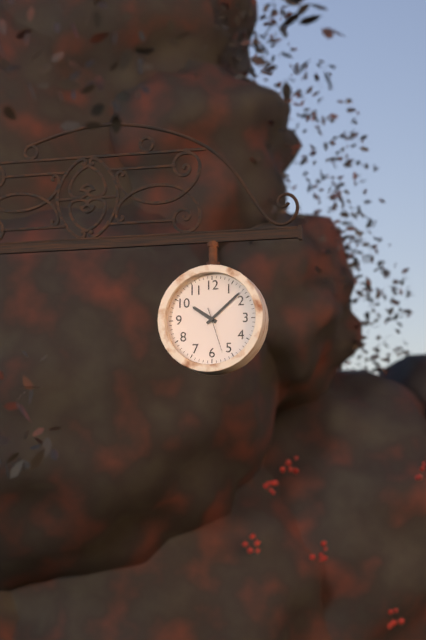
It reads **10:08**
